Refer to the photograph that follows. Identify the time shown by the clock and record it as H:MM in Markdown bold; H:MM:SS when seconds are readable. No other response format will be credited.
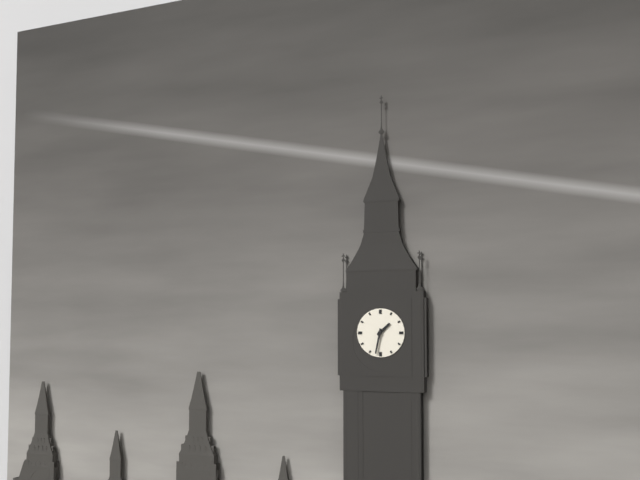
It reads **1:32**
